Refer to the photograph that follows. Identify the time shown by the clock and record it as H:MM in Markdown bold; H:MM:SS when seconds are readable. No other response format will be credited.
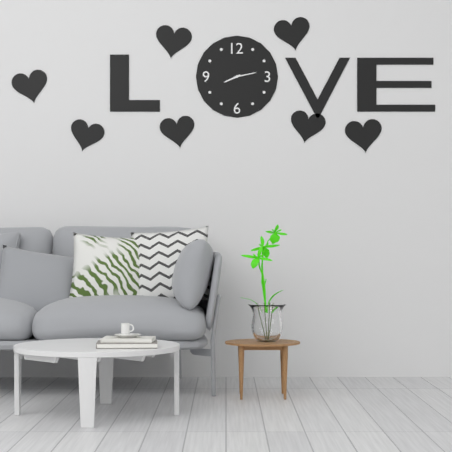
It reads **8:13**
